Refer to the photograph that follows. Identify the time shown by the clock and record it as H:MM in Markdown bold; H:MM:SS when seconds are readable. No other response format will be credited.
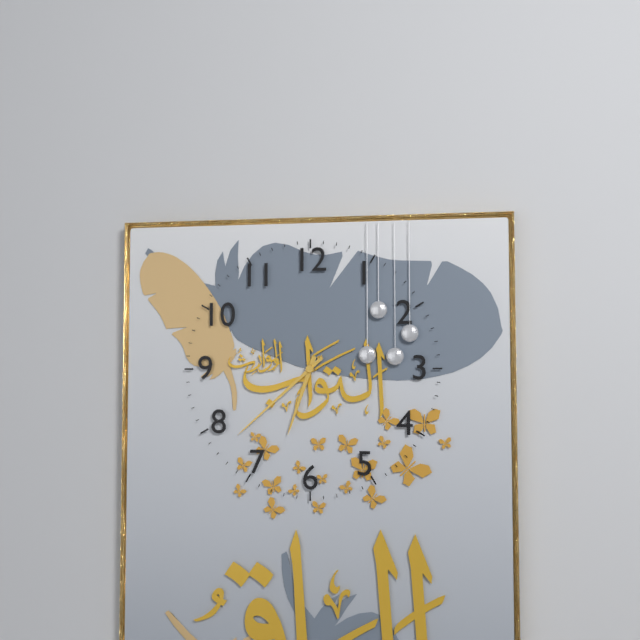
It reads **6:38**
